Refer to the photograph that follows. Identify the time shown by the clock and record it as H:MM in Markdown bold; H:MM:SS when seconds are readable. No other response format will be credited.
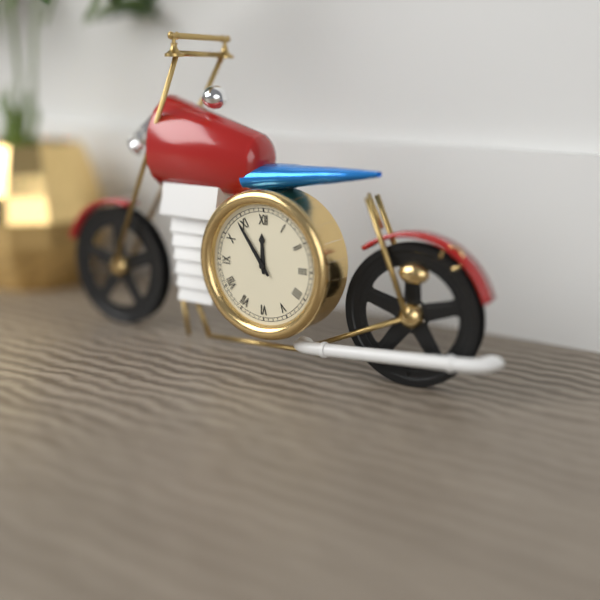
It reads **11:54**
